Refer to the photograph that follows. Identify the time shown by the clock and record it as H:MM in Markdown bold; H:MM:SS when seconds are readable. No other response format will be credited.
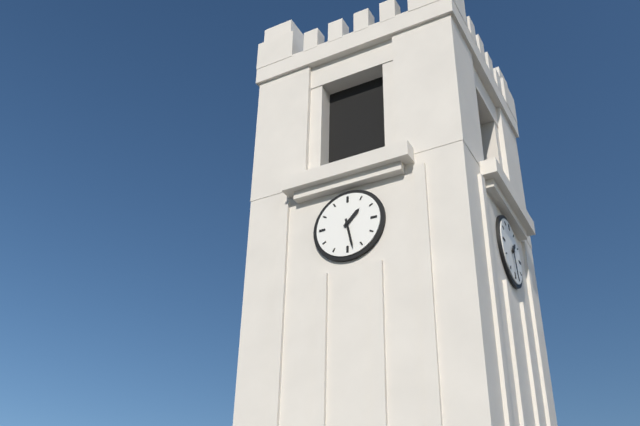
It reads **1:28**
